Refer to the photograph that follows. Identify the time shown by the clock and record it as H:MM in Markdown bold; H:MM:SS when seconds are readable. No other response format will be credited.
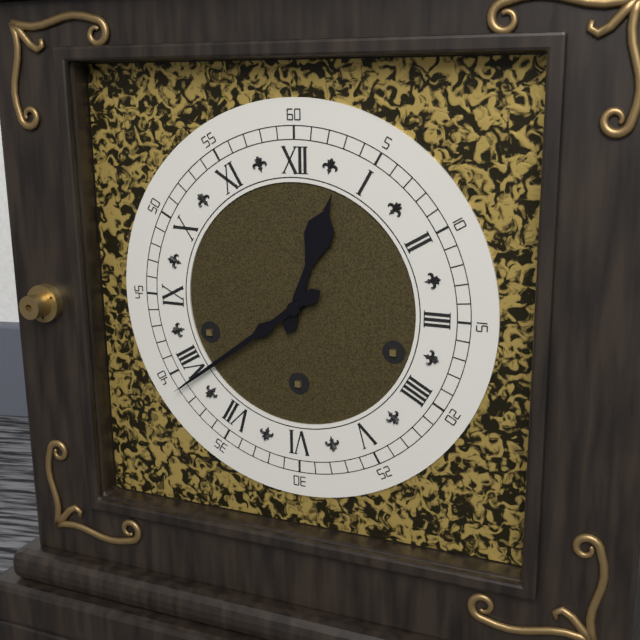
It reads **12:39**
